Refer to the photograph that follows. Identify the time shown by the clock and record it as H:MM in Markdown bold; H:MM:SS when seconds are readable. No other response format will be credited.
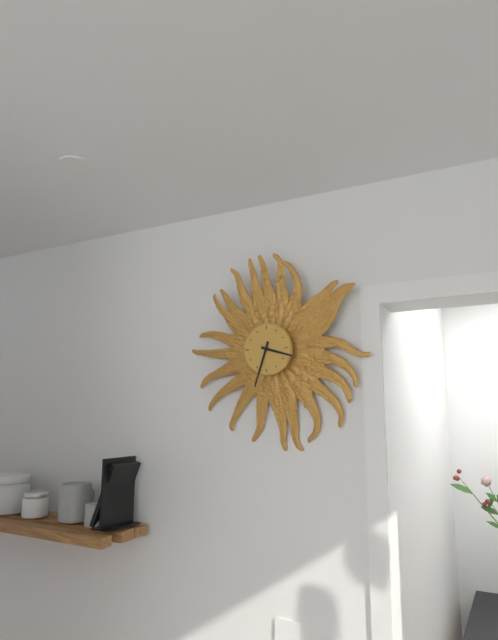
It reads **3:33**
